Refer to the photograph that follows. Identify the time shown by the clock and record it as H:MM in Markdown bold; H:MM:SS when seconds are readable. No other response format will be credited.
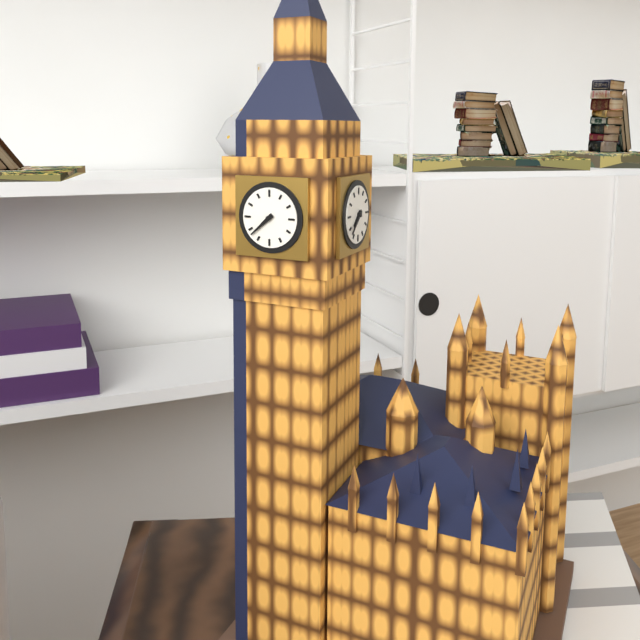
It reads **7:38**
